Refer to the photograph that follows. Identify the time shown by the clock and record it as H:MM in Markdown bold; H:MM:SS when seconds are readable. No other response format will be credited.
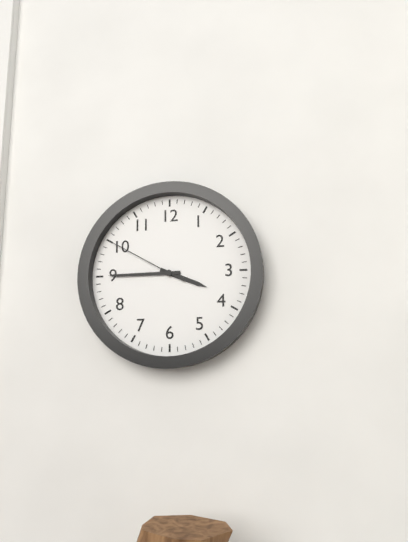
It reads **3:45:50**
